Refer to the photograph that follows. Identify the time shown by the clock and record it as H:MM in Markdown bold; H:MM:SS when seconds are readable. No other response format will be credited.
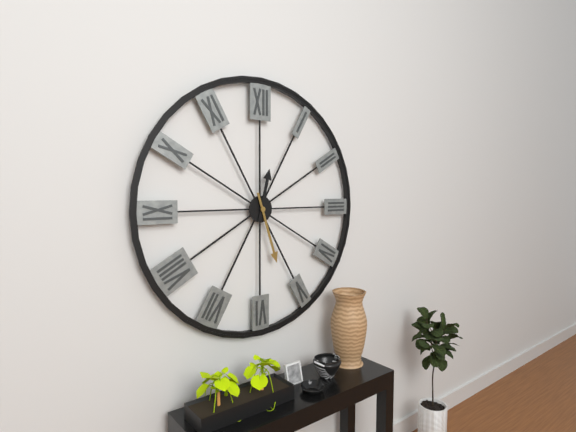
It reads **12:27**
